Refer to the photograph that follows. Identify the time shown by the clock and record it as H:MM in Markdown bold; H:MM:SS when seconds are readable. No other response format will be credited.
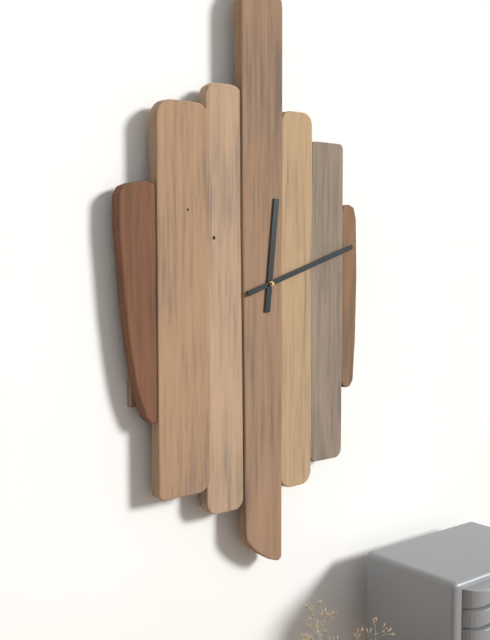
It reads **12:12**
